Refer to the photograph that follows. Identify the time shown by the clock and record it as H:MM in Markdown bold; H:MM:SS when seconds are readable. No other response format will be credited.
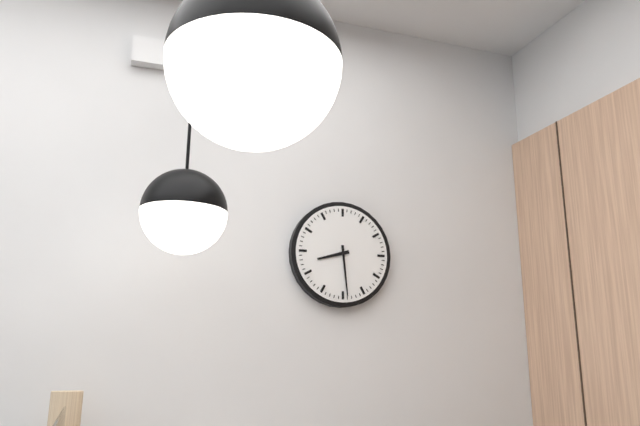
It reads **8:29**
